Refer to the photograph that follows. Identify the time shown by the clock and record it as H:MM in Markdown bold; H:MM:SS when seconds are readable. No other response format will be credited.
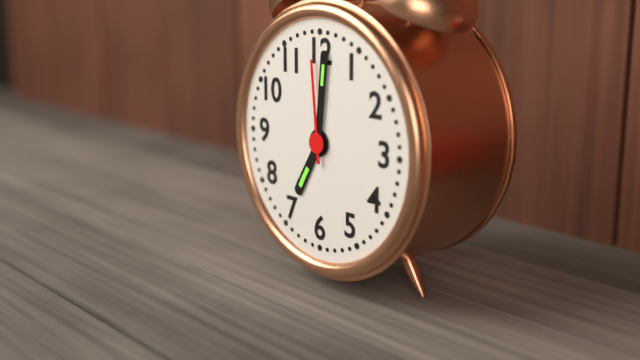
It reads **7:01:59**
